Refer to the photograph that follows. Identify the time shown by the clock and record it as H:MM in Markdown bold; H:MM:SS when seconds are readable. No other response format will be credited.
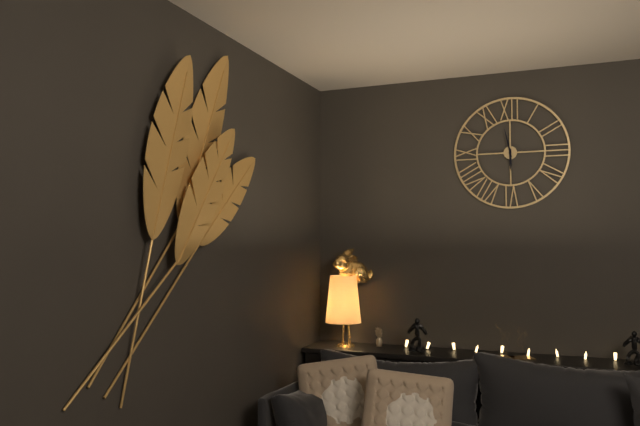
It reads **5:58**
